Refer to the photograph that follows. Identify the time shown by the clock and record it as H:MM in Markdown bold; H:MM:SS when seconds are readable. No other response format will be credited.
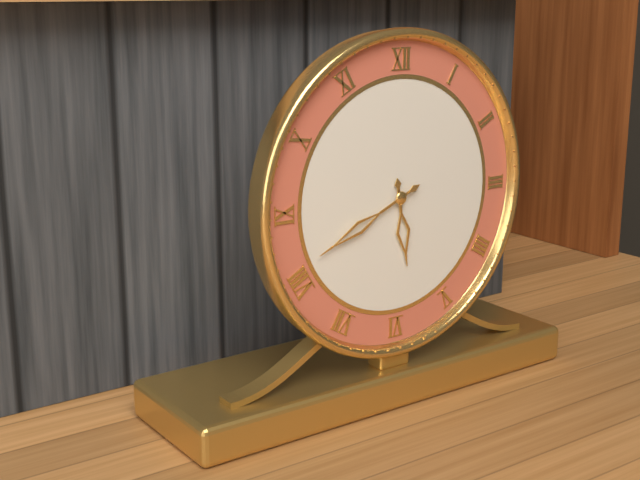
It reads **5:41**
